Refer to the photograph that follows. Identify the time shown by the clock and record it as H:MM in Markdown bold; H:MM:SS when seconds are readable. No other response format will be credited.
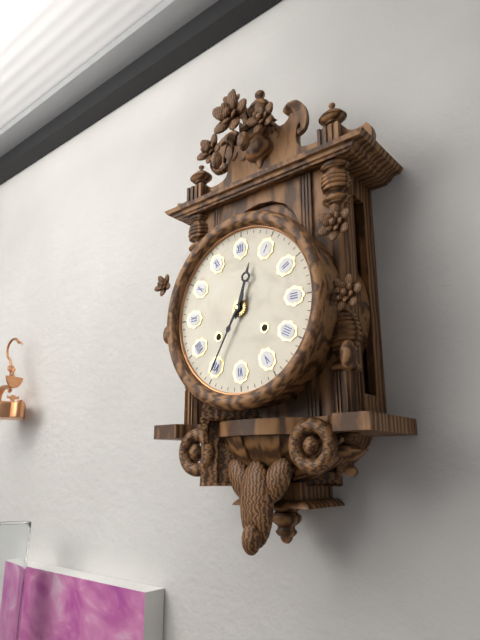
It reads **12:35**
